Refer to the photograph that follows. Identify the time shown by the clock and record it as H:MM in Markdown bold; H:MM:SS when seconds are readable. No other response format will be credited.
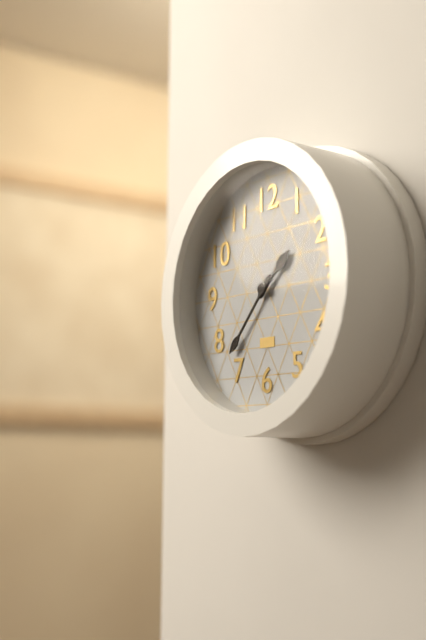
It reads **1:37**
